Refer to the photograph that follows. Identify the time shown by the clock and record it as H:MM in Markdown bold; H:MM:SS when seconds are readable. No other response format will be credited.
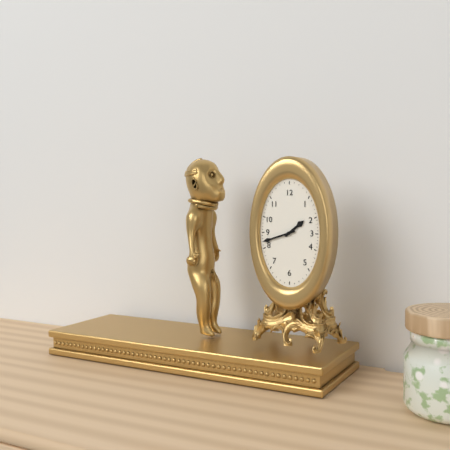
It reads **1:42**
